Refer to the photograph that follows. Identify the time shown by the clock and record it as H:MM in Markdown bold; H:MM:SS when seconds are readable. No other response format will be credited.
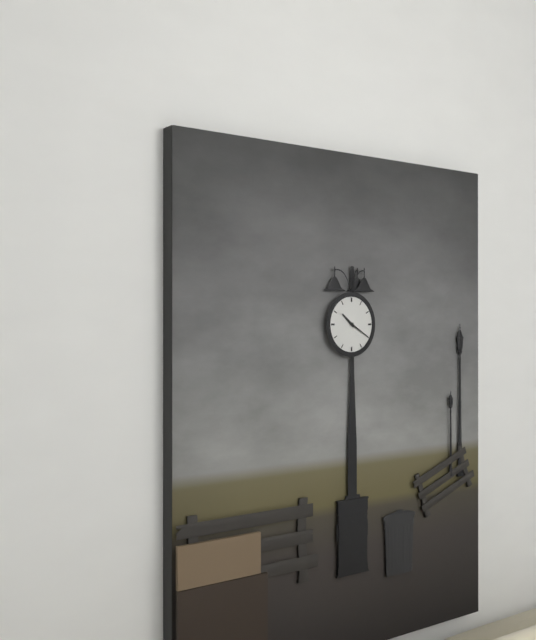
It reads **10:20**
